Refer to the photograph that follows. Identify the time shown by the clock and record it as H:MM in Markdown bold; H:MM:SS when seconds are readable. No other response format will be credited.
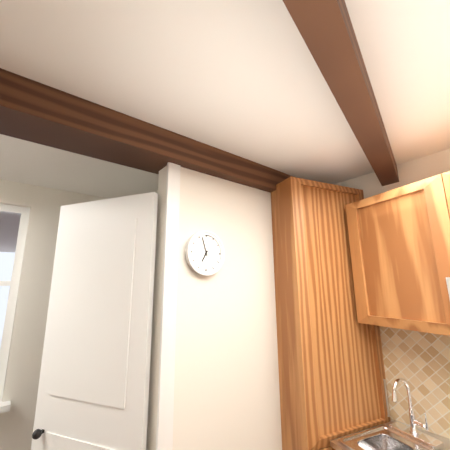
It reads **6:57**
